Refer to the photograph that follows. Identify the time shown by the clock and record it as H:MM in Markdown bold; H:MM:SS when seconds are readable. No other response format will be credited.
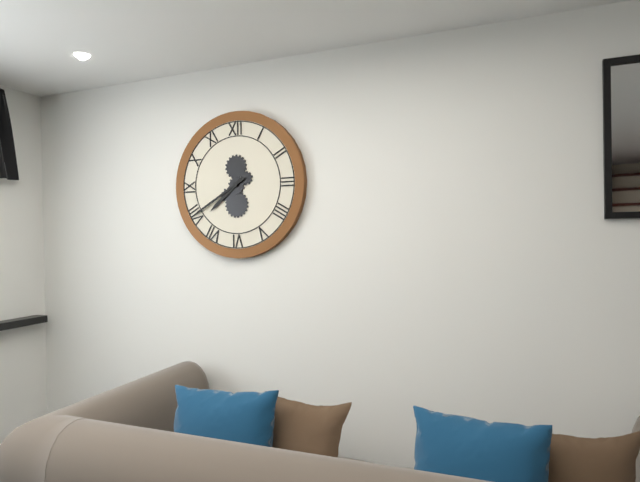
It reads **7:40**
